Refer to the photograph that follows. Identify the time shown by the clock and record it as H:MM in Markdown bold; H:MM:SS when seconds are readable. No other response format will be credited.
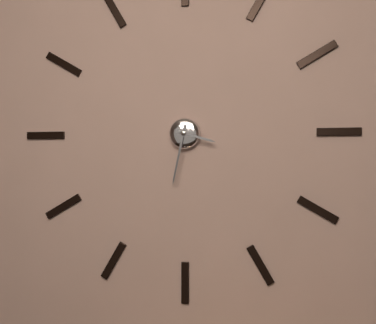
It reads **3:32**
